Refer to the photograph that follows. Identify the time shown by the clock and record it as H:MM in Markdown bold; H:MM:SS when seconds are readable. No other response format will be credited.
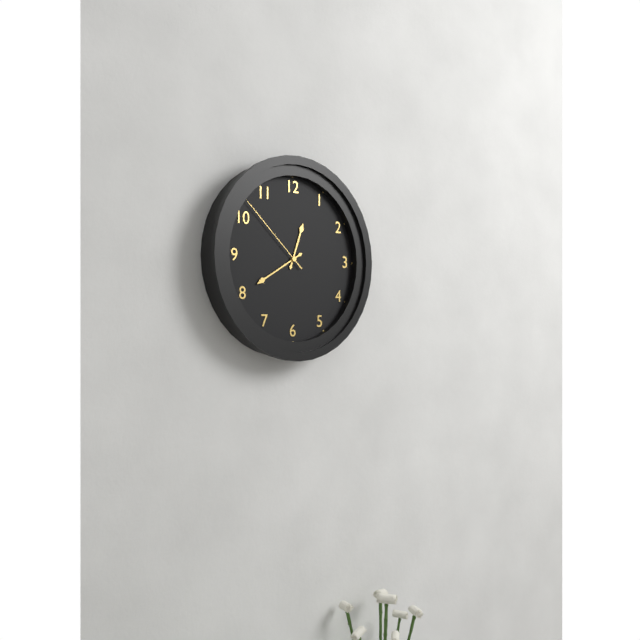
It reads **12:40:52**
